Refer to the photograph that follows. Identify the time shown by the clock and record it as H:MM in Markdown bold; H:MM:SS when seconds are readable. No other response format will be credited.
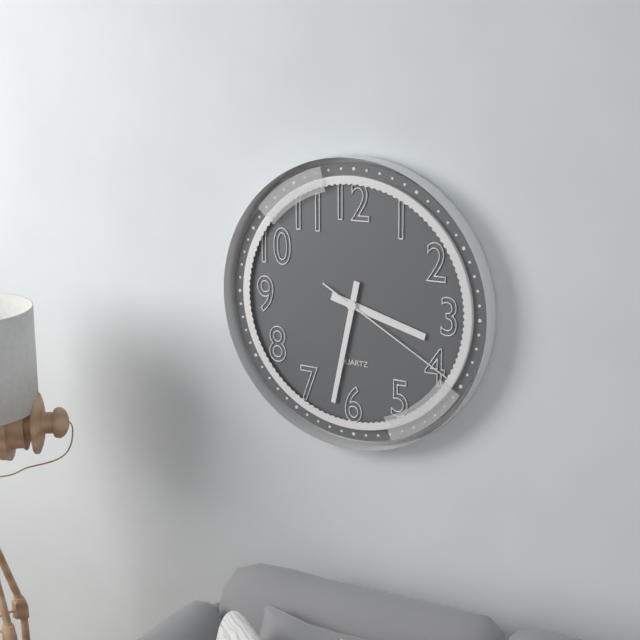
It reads **3:32:20**
